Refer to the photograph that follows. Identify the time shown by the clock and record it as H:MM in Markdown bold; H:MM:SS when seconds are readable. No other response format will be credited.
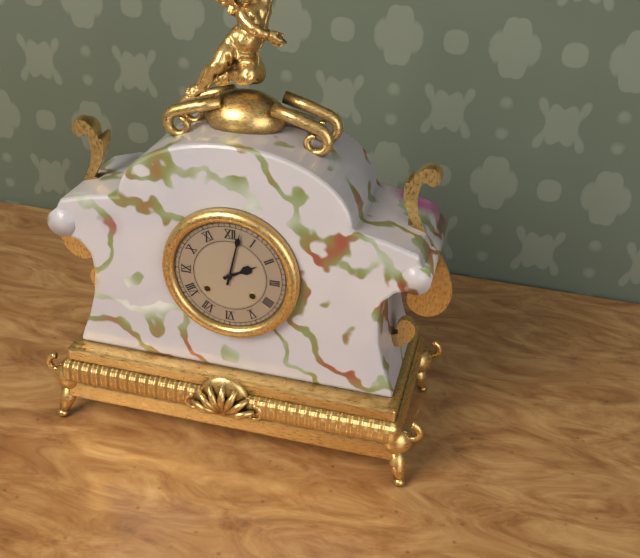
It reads **2:02**
